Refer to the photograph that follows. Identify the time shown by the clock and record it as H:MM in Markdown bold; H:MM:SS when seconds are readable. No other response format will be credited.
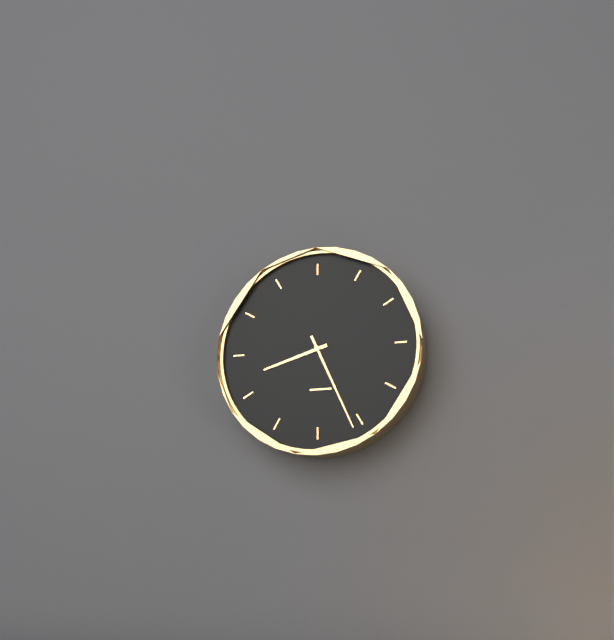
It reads **8:26**
